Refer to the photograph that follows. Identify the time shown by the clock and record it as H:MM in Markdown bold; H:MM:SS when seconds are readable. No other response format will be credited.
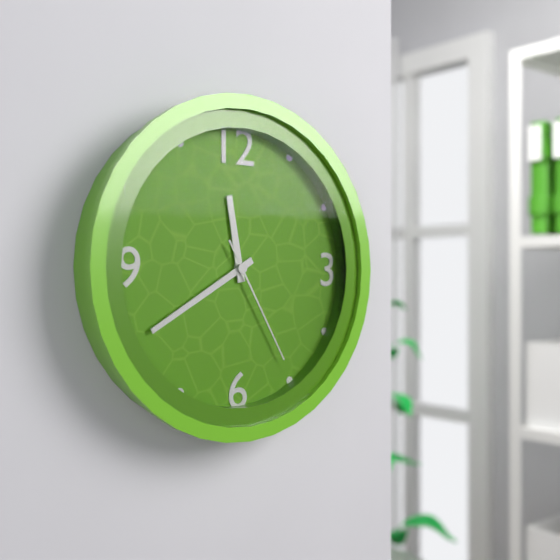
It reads **11:40:25**
